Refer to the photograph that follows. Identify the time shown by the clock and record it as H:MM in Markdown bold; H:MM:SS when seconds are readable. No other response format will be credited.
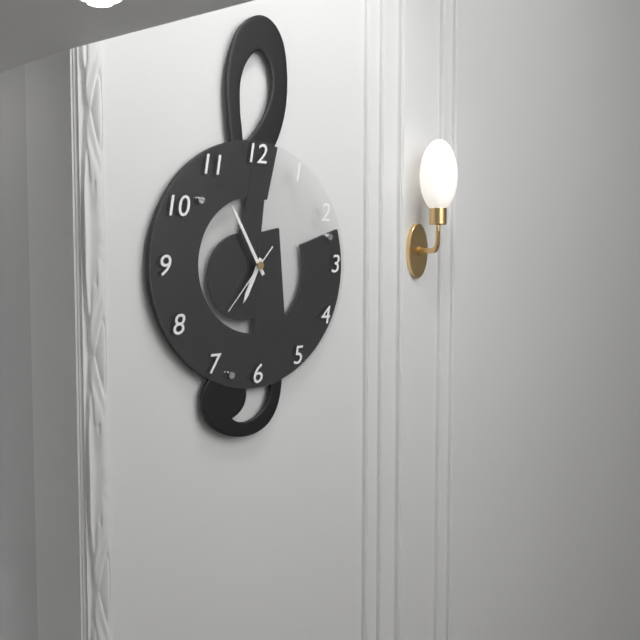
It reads **6:55:37**
